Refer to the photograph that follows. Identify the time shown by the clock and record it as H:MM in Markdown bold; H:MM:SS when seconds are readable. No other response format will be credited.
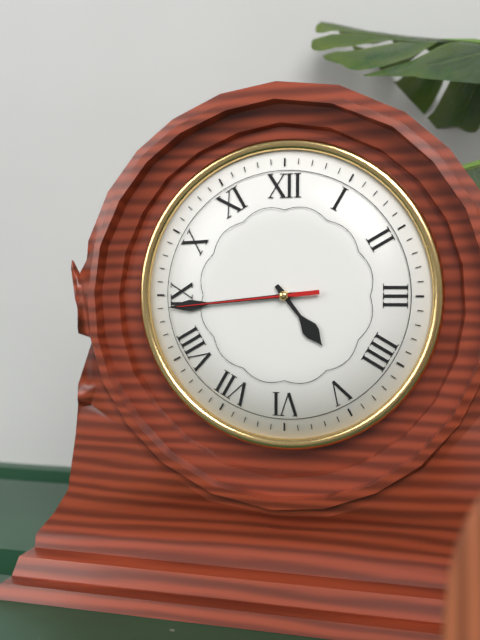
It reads **4:44:44**
